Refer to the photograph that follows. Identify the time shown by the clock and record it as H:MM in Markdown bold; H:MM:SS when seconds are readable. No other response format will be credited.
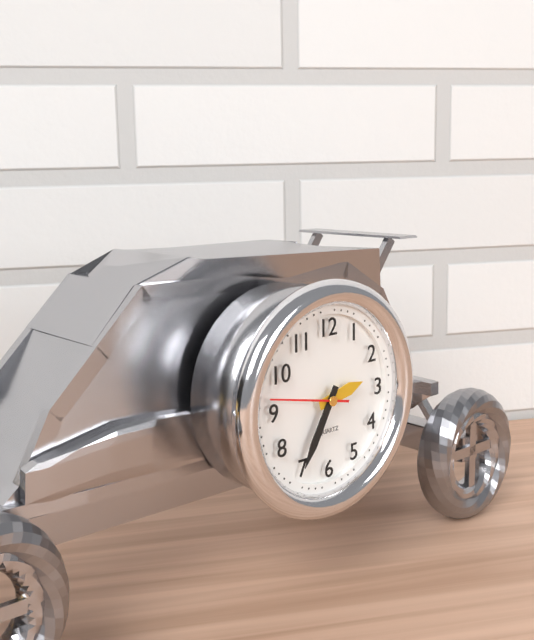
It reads **2:35:47**
